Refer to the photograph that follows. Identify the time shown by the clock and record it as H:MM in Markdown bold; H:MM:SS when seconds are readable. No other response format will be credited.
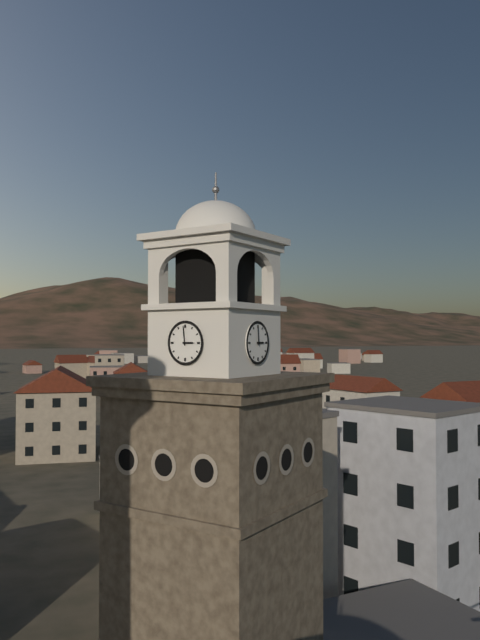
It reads **2:59**
